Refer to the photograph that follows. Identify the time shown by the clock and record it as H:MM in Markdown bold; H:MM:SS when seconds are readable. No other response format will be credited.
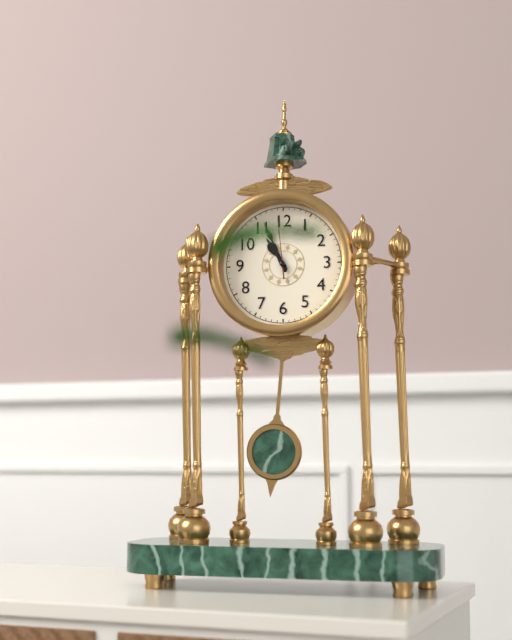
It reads **10:56:59**
